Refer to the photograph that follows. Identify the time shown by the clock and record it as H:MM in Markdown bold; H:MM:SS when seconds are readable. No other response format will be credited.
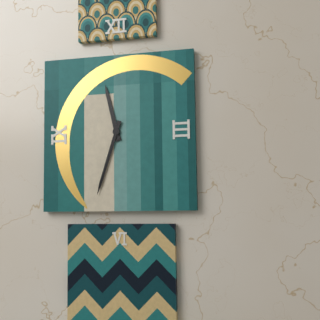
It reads **11:33**
